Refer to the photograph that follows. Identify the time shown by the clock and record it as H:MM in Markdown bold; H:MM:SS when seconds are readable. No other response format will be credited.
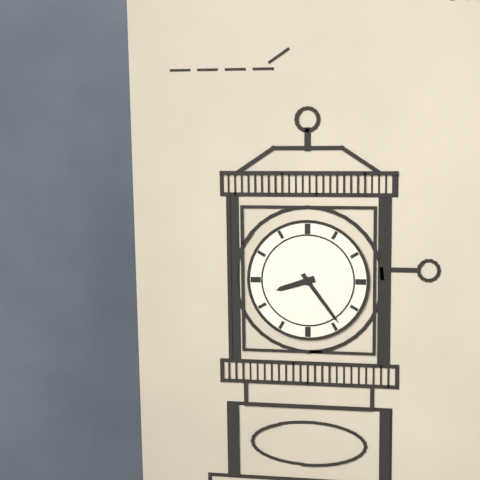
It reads **8:24**
